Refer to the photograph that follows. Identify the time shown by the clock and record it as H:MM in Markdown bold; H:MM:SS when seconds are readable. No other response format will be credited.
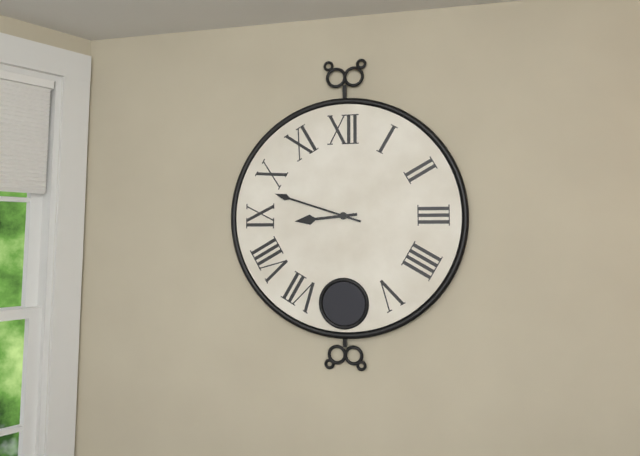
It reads **8:48**
